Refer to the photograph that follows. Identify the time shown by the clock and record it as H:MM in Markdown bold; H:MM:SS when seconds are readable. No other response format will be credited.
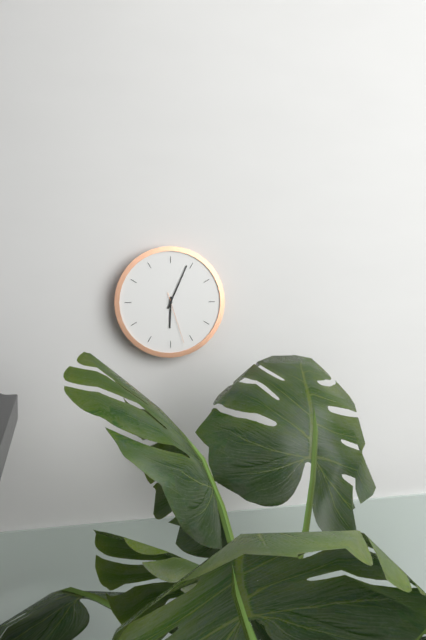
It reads **6:04:27**
